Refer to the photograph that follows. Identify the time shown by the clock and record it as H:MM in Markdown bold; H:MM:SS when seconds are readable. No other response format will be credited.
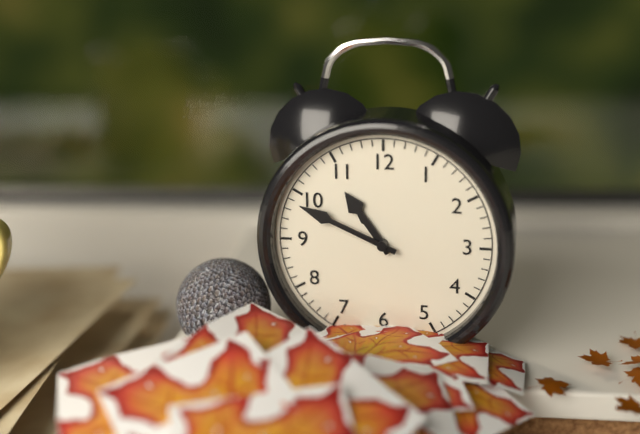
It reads **10:49**
